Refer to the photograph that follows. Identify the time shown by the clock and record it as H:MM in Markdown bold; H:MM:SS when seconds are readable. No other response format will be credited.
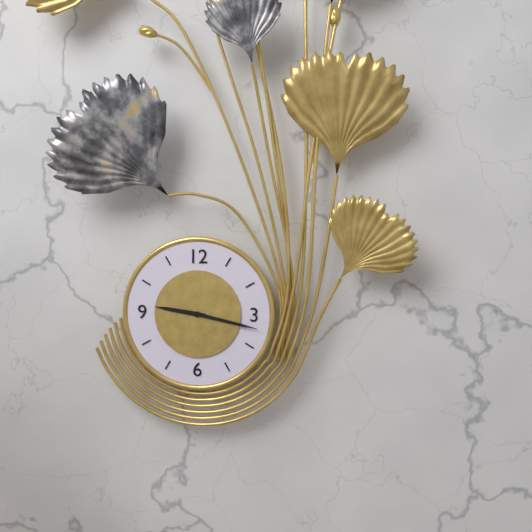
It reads **9:17**
